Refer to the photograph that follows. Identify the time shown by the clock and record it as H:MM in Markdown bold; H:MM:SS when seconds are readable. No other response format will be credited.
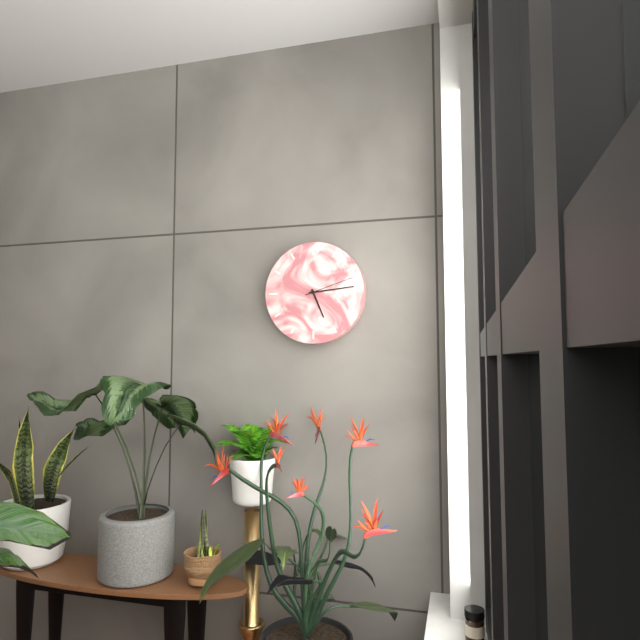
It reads **5:14:12**
